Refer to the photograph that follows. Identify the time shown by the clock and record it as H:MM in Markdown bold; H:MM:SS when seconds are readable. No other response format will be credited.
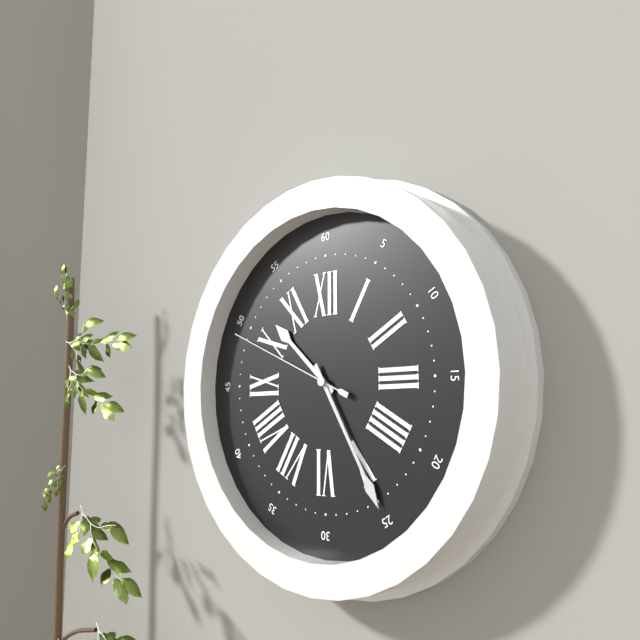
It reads **10:25:49**
